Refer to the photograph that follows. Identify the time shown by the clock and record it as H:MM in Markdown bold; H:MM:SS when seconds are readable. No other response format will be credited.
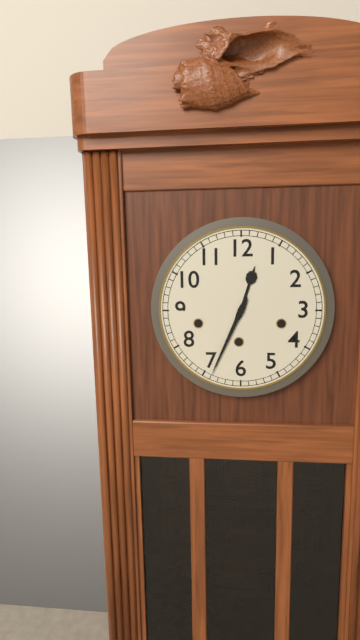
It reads **12:34**
